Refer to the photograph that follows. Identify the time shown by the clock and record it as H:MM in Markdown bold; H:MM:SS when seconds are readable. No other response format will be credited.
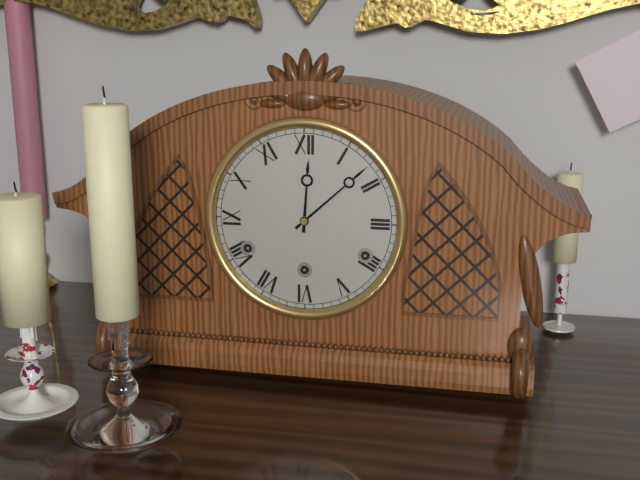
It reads **12:08**
